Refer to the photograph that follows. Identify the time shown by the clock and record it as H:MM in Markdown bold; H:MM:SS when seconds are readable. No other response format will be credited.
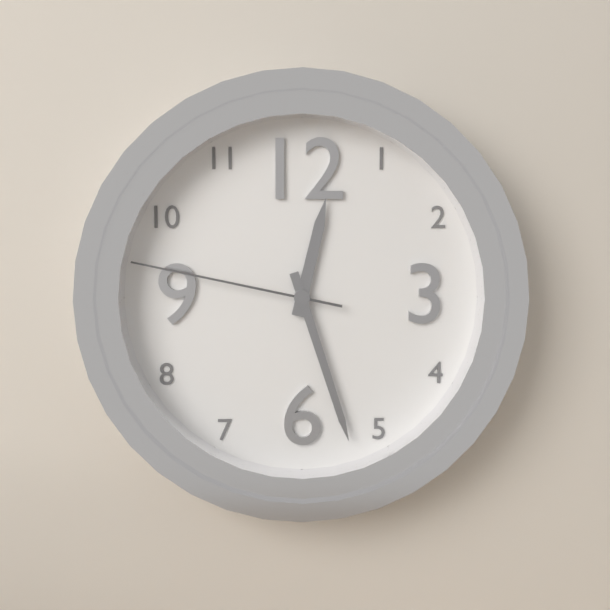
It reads **12:27:47**
